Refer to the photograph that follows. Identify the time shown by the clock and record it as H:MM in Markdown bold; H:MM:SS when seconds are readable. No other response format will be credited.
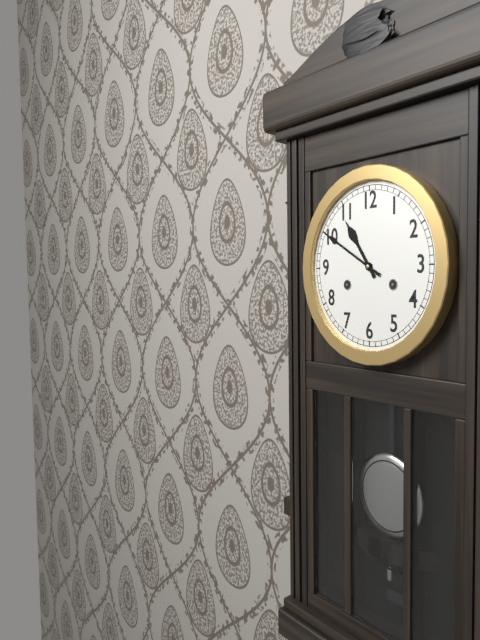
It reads **10:50**
